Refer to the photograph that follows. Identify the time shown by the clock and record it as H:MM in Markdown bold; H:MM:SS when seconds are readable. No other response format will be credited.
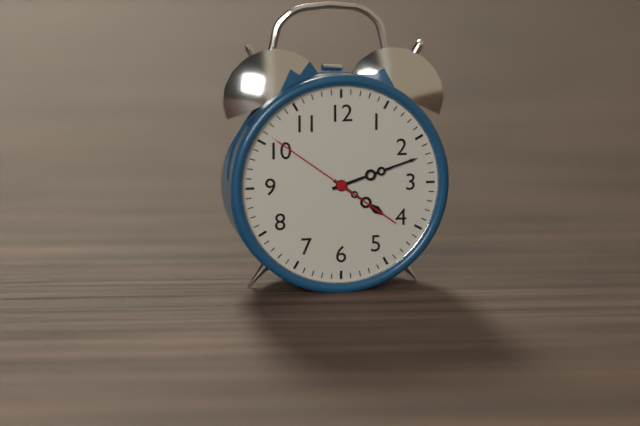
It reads **4:12:51**
